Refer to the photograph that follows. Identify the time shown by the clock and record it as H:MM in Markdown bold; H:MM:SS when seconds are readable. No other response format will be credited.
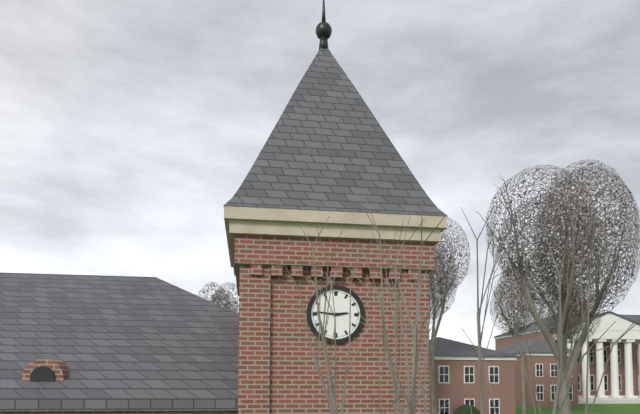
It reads **2:46**
